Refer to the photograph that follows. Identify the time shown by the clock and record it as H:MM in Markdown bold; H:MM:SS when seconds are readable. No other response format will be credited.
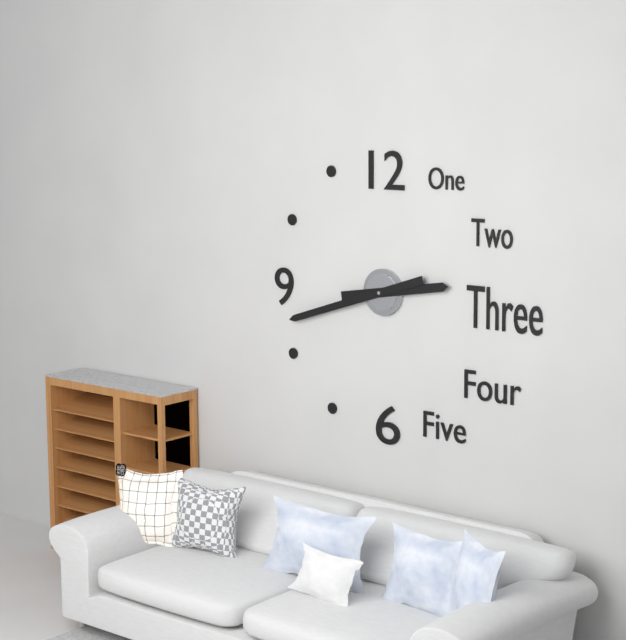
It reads **2:42**
